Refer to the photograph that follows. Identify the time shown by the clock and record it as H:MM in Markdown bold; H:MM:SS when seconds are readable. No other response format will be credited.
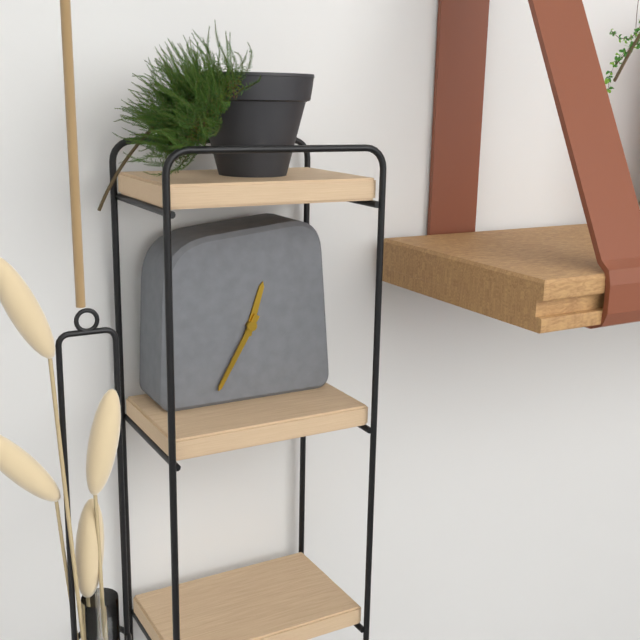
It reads **12:35**
